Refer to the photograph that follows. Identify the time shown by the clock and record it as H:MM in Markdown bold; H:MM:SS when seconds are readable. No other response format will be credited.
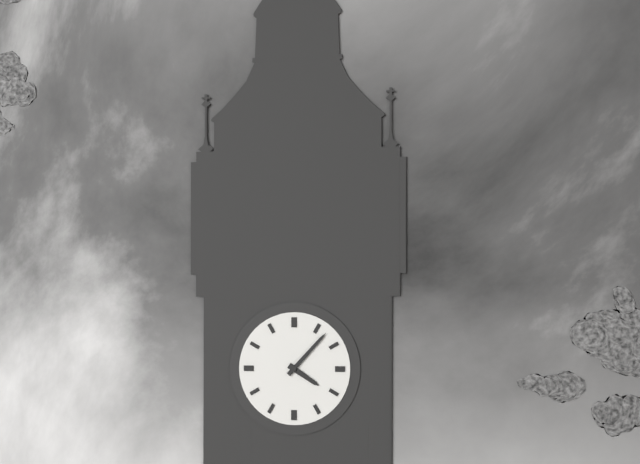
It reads **4:07**
